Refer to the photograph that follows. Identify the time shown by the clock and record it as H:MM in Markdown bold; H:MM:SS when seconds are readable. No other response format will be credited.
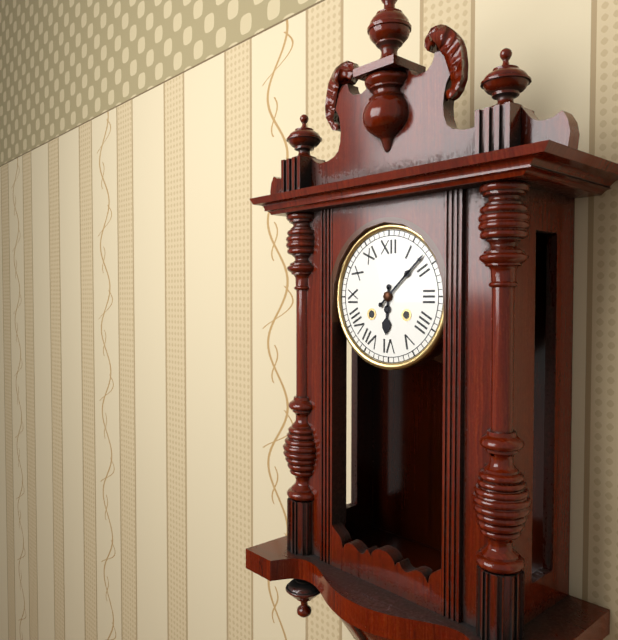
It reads **6:08**
